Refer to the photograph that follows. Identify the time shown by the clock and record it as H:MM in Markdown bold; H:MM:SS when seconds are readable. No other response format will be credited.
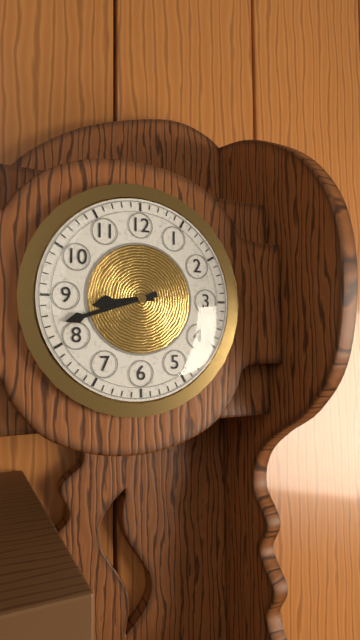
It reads **8:42**
